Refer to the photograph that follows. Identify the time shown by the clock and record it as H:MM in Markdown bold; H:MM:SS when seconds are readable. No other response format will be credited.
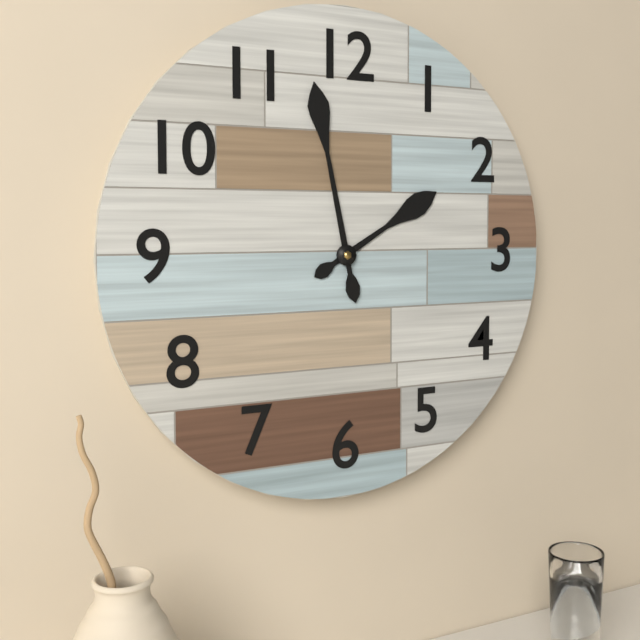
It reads **1:58**
